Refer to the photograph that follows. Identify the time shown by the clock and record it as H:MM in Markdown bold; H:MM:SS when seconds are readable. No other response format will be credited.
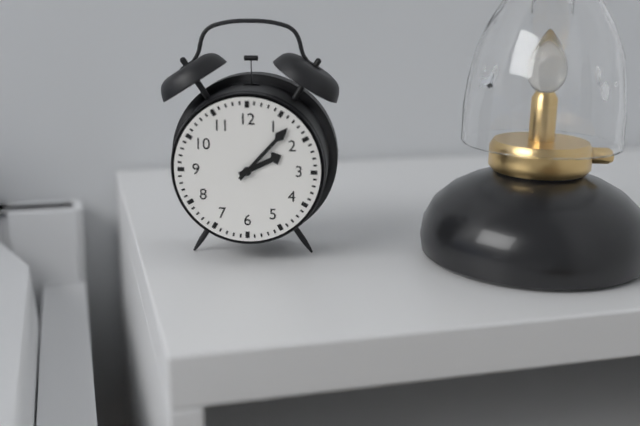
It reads **2:07**
